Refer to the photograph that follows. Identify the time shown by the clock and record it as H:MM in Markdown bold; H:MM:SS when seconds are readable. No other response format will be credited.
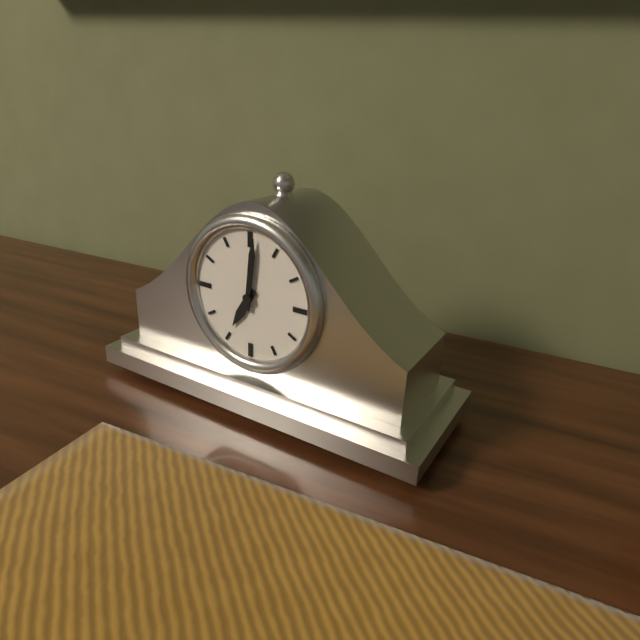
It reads **7:01**
